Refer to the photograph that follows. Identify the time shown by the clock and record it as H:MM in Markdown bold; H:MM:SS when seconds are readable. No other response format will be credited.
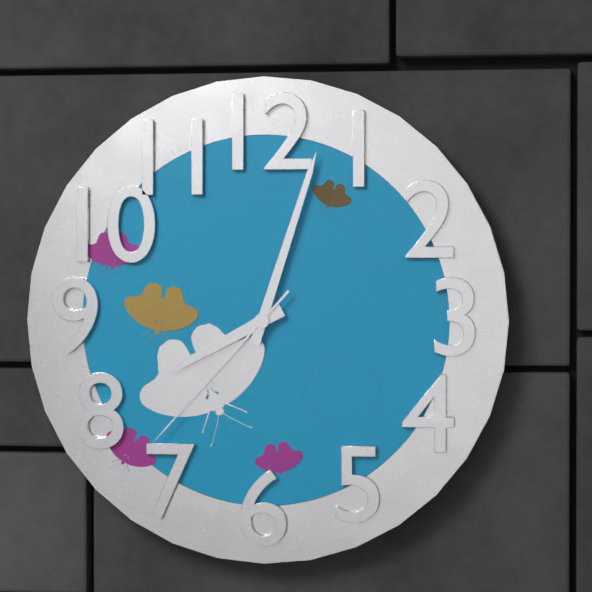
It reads **8:03:37**
